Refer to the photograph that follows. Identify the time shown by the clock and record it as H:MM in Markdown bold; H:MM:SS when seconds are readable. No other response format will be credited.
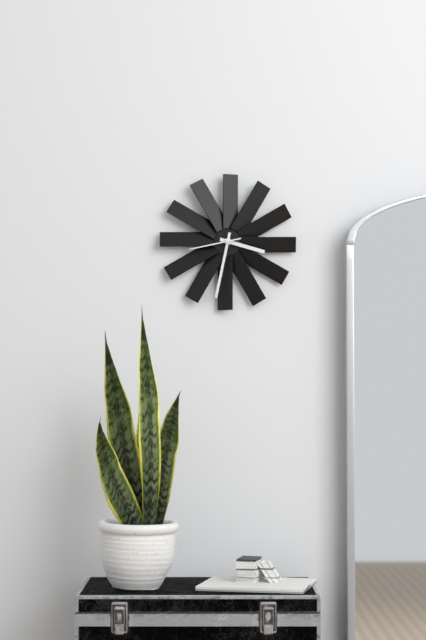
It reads **3:32**
